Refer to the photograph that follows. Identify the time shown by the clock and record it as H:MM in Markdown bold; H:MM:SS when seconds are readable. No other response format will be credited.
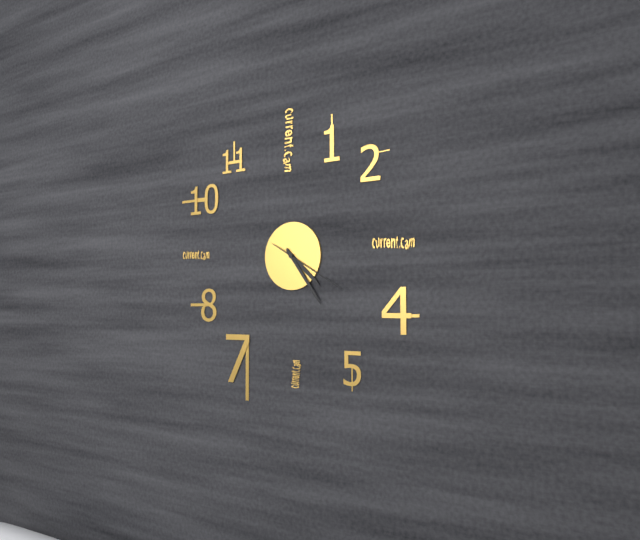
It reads **4:24:20**
